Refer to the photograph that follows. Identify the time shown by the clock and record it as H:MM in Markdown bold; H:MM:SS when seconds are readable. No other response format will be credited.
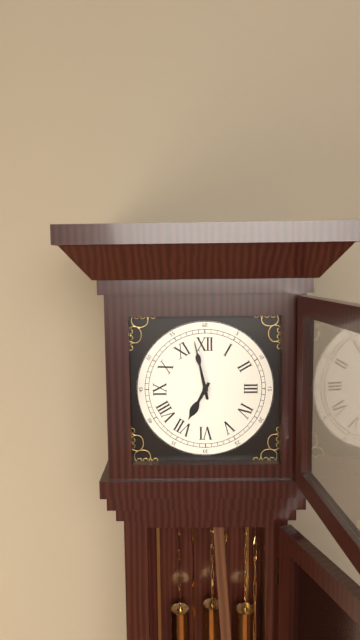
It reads **6:58**
